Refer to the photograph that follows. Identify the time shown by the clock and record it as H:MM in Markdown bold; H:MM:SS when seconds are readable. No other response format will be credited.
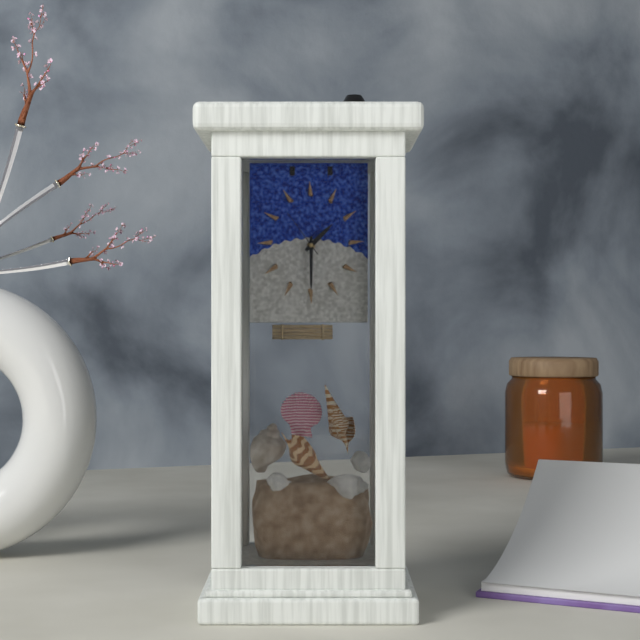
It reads **1:30:54**
